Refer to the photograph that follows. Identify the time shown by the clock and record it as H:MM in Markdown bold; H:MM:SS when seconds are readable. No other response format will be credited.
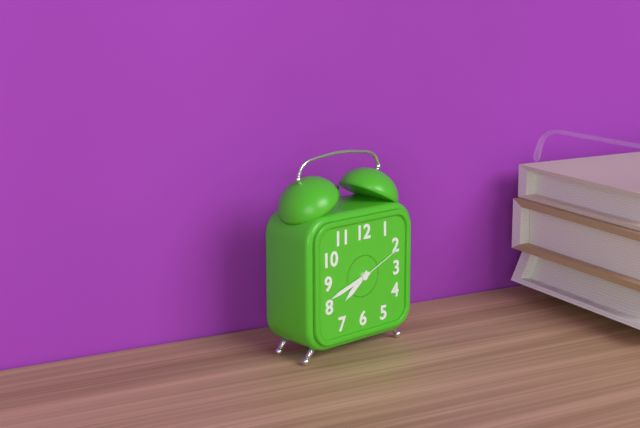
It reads **7:42:11**
